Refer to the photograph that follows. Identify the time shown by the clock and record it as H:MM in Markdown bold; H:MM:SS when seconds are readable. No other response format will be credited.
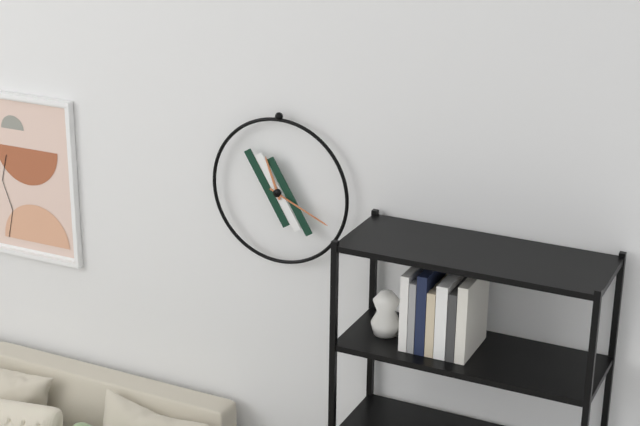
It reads **11:19**
